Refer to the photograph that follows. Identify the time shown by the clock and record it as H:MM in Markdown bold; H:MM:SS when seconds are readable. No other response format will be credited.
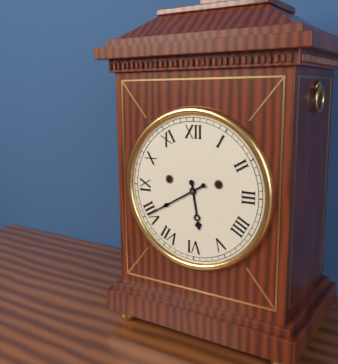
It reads **5:40**
